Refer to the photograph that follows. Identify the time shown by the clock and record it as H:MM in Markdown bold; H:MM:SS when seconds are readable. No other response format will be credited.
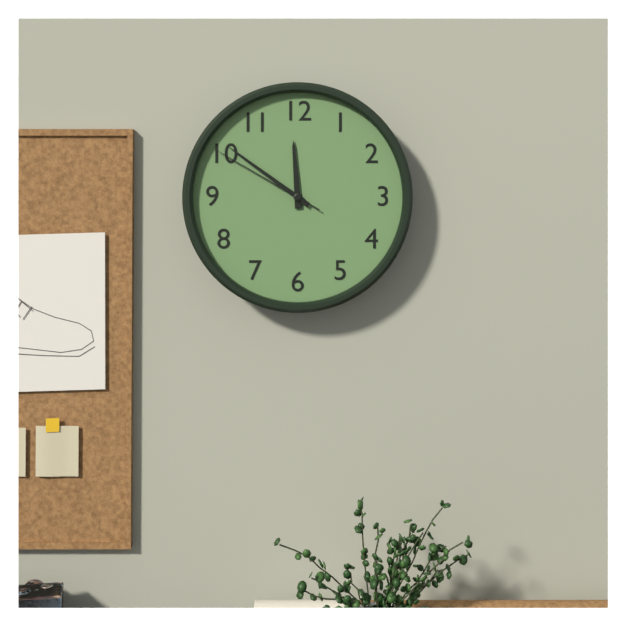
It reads **11:51:50**
